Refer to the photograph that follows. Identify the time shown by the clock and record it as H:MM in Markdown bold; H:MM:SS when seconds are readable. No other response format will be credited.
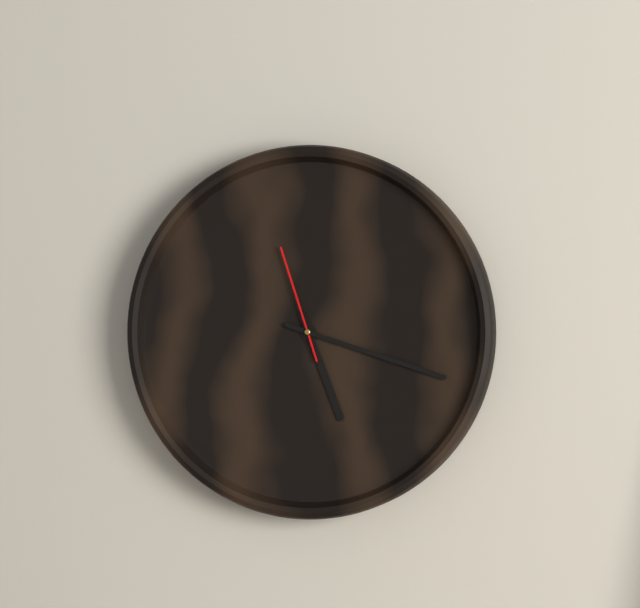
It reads **5:18:57**
